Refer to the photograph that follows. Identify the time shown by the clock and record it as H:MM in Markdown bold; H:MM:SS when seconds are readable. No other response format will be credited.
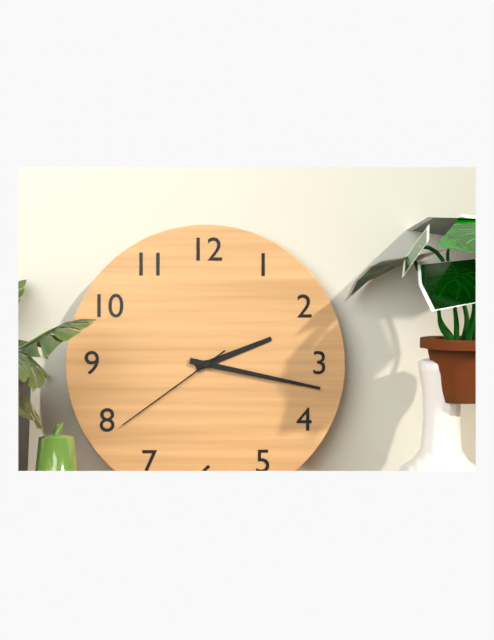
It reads **2:17:39**
